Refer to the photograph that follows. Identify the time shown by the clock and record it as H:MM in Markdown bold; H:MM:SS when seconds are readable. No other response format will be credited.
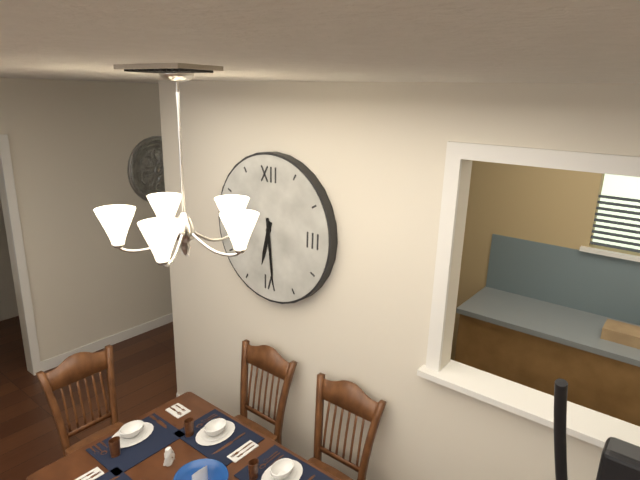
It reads **6:29**
